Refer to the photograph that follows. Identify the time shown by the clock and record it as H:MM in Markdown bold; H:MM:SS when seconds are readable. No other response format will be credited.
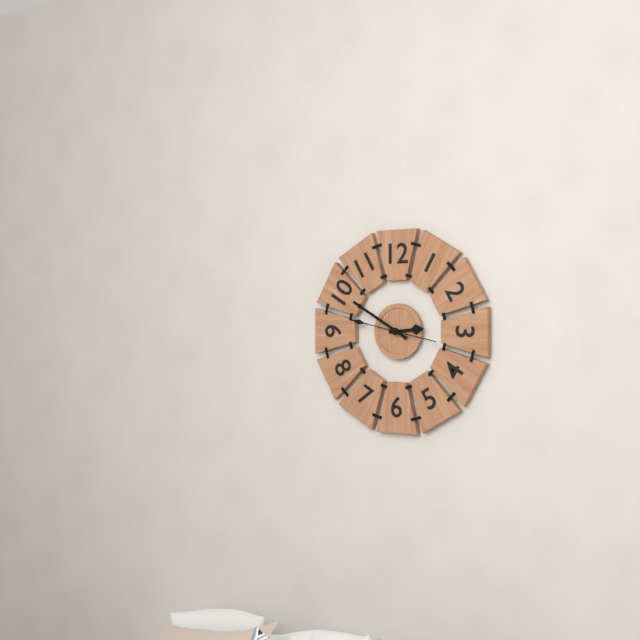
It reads **2:50:47**
